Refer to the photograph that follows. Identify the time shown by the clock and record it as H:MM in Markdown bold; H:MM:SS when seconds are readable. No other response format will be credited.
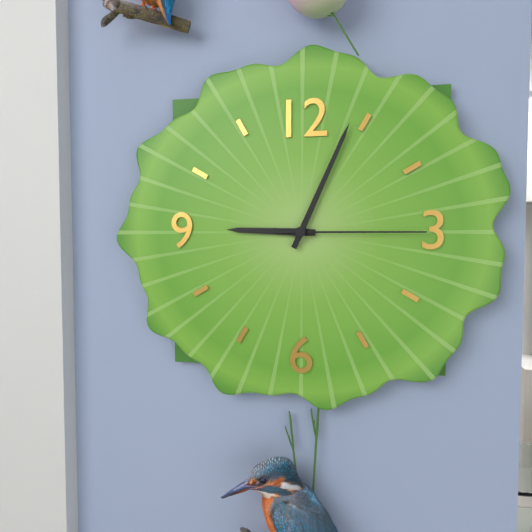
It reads **9:04:15**
